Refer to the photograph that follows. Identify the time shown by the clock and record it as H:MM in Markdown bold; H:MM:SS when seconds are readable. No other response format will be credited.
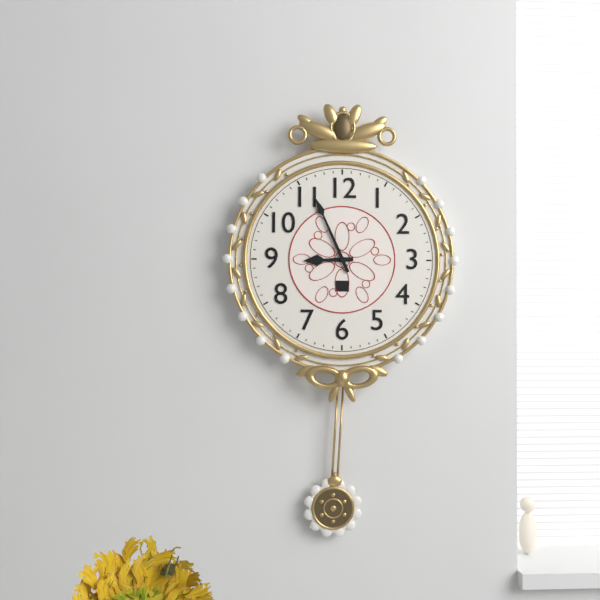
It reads **8:56**
